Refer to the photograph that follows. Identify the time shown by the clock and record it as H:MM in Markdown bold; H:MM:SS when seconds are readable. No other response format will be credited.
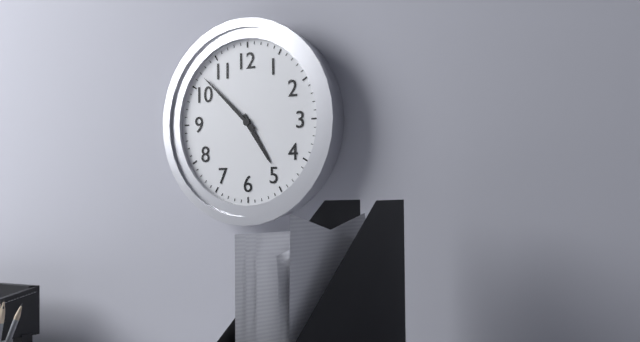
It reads **4:52**
